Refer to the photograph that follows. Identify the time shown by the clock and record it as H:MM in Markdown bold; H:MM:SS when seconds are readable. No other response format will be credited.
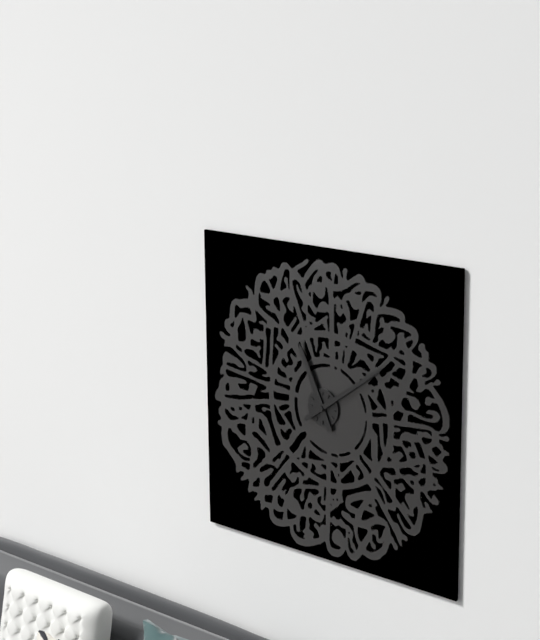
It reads **11:09**
